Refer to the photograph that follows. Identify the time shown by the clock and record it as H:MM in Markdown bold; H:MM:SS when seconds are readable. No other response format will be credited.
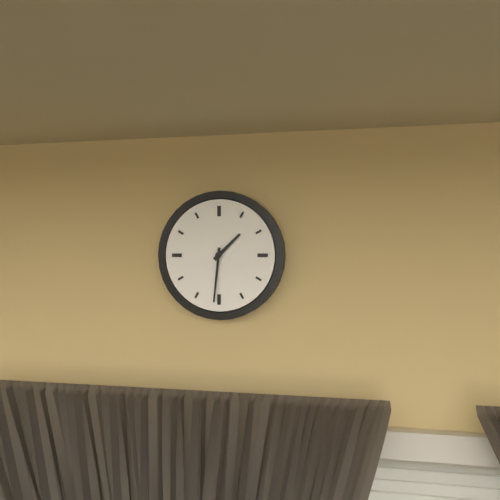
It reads **1:31**
